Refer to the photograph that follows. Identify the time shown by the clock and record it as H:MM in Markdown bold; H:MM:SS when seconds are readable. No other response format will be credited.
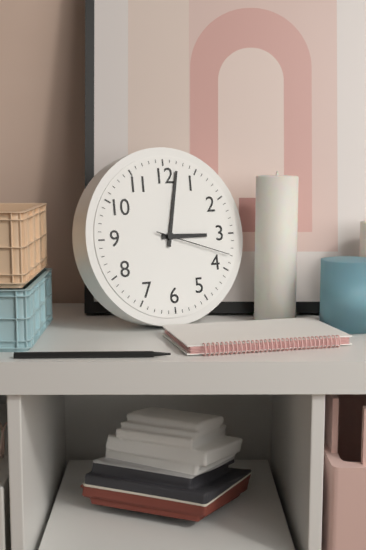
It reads **3:02:18**
